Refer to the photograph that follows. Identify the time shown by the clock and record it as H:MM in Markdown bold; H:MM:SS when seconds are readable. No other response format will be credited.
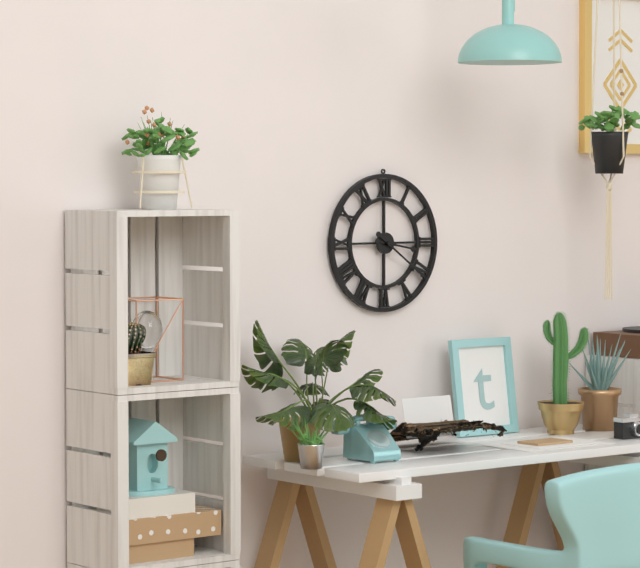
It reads **3:21**
